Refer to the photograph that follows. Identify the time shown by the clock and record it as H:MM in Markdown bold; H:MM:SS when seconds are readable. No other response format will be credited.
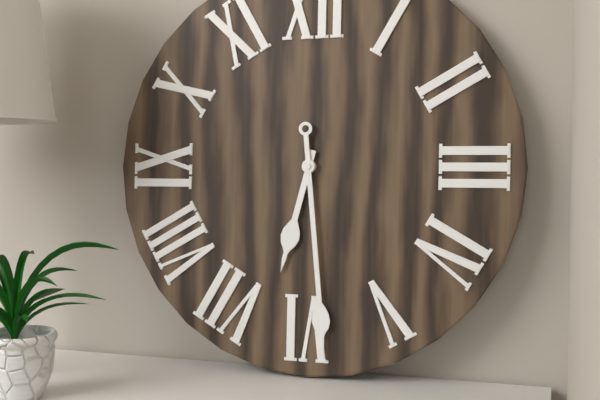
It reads **6:29**
